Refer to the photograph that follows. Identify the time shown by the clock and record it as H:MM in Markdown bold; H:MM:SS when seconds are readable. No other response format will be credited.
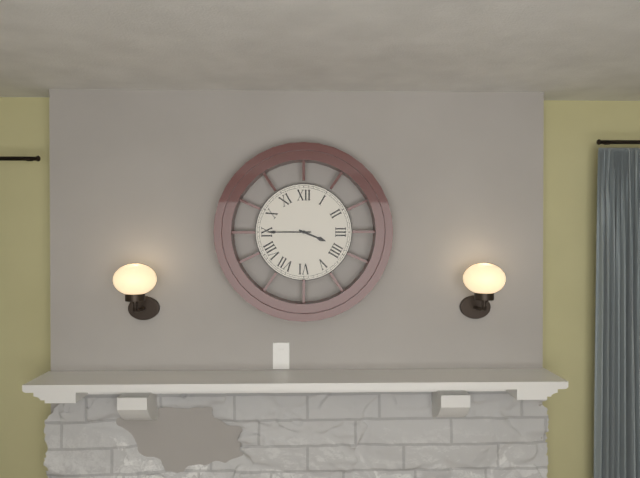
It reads **3:45**
